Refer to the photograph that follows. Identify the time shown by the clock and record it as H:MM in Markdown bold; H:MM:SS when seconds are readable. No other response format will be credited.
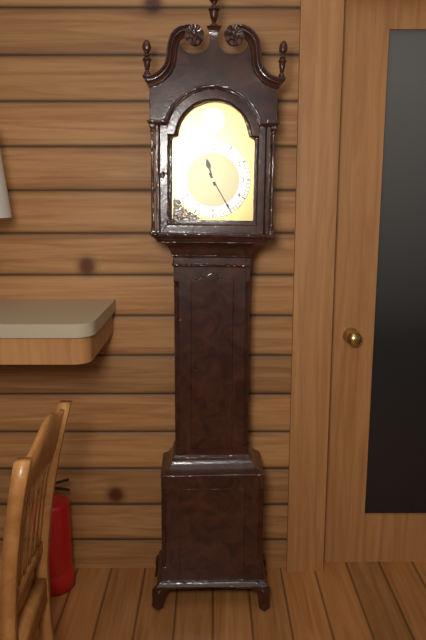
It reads **11:25**
